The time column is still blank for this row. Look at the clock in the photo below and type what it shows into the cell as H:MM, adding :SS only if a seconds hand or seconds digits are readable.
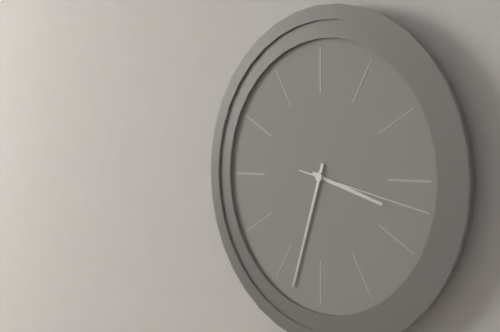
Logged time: 3:33:17
